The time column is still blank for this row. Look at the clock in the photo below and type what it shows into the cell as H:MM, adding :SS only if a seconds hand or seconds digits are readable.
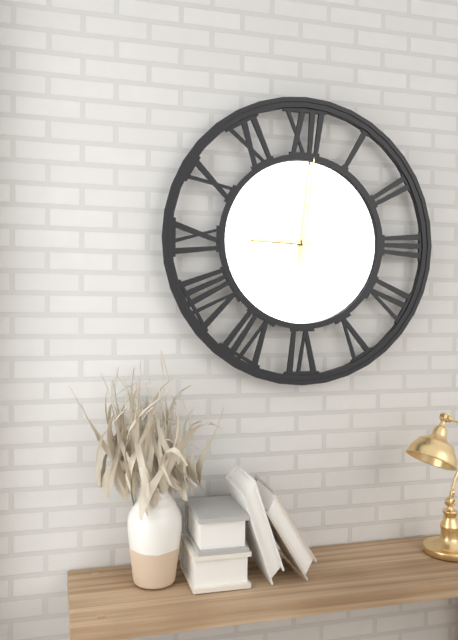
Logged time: 9:01
